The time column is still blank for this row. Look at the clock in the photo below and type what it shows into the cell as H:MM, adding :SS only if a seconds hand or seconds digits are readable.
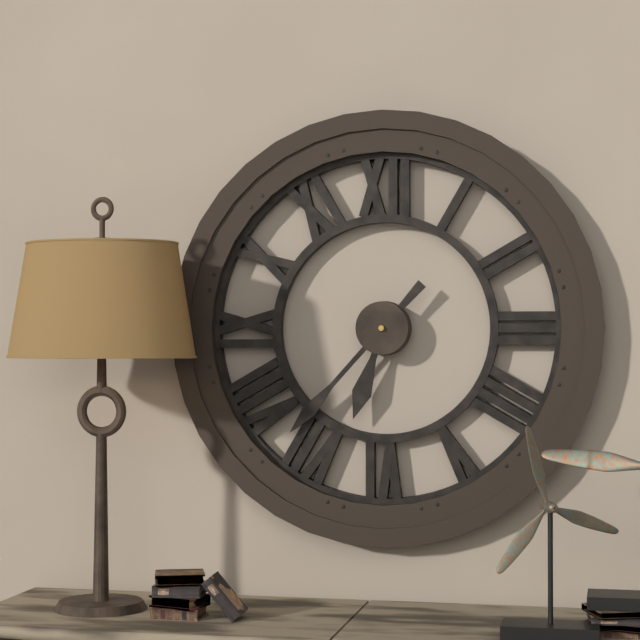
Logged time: 6:37
